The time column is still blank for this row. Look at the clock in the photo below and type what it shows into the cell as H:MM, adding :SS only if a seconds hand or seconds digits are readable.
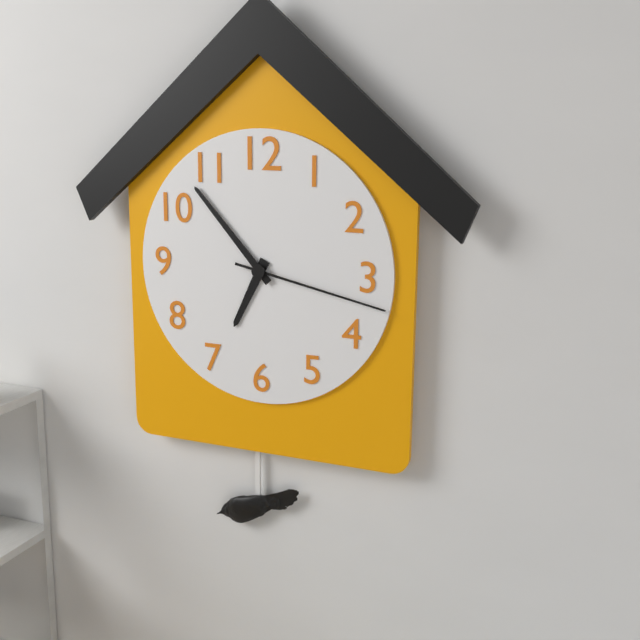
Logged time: 6:53:17
